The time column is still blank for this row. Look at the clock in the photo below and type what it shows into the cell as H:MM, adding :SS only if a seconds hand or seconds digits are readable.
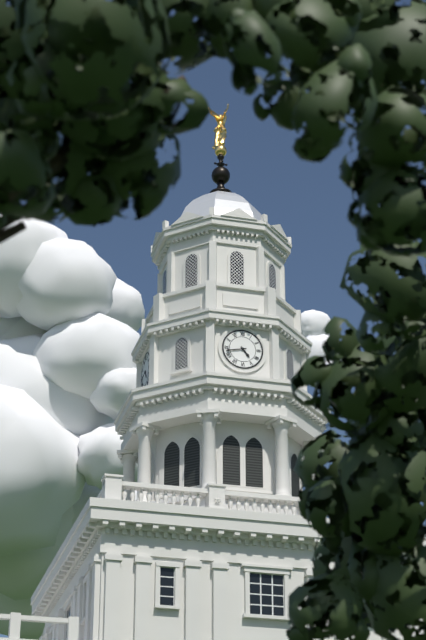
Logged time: 4:43
